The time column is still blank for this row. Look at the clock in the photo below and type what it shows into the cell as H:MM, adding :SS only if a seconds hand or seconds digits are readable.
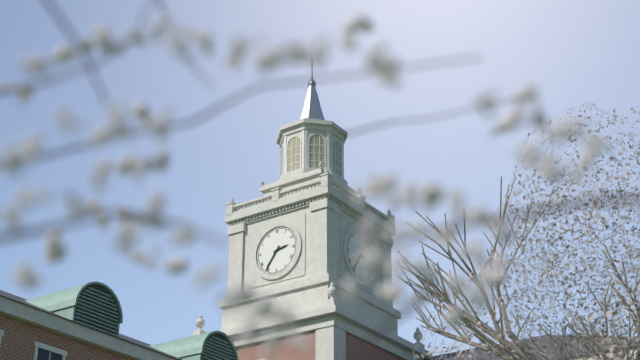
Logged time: 2:36
